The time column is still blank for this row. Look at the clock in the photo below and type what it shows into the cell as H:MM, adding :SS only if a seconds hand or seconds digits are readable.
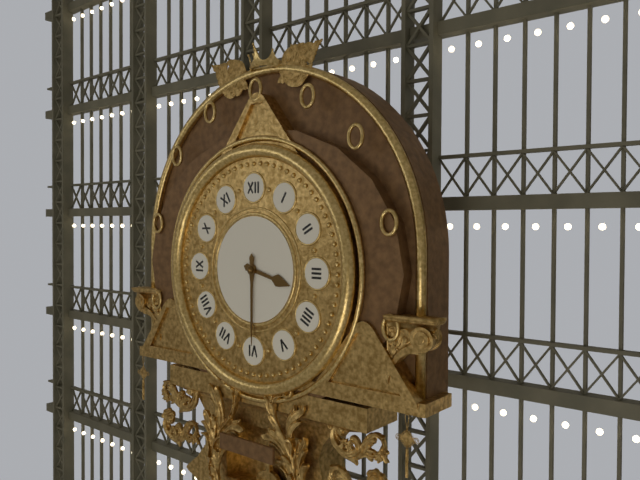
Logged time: 3:30
